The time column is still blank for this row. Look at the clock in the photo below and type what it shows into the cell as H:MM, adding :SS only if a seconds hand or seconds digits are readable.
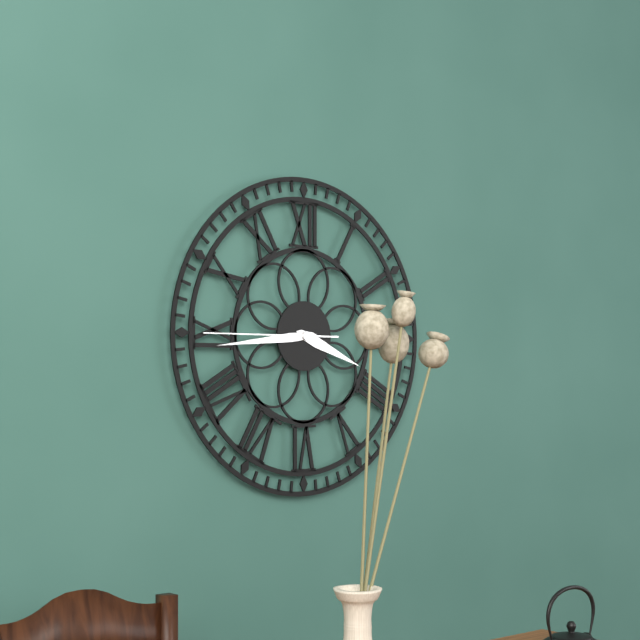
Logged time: 3:44:45
